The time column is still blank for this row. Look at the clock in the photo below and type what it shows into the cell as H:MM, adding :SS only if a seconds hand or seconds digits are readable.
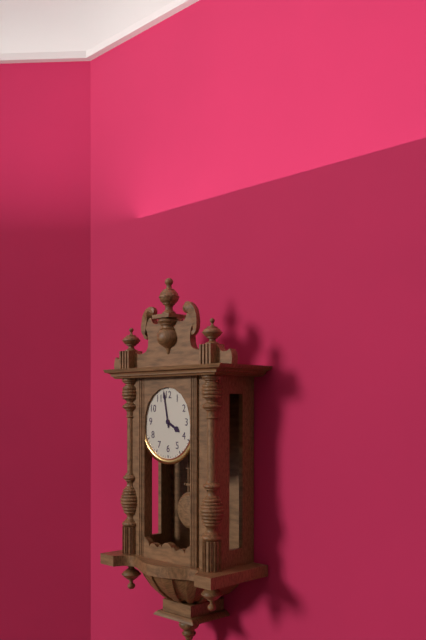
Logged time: 3:58
